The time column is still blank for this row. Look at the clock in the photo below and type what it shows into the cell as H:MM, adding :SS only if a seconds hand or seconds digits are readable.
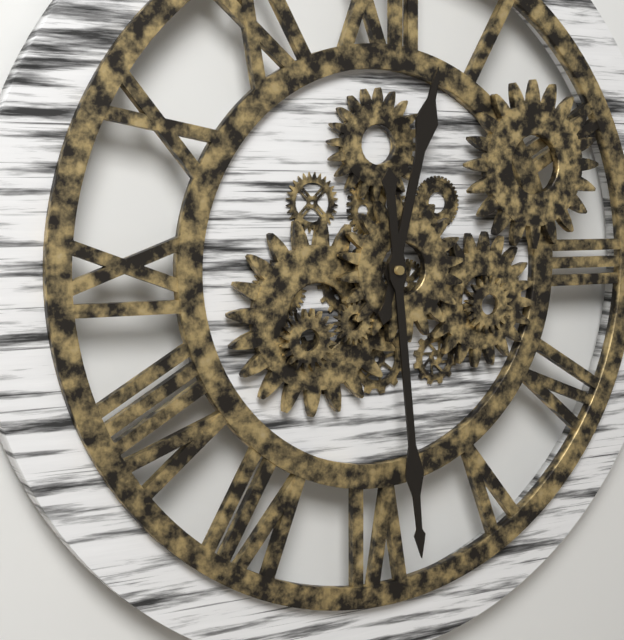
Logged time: 12:29
